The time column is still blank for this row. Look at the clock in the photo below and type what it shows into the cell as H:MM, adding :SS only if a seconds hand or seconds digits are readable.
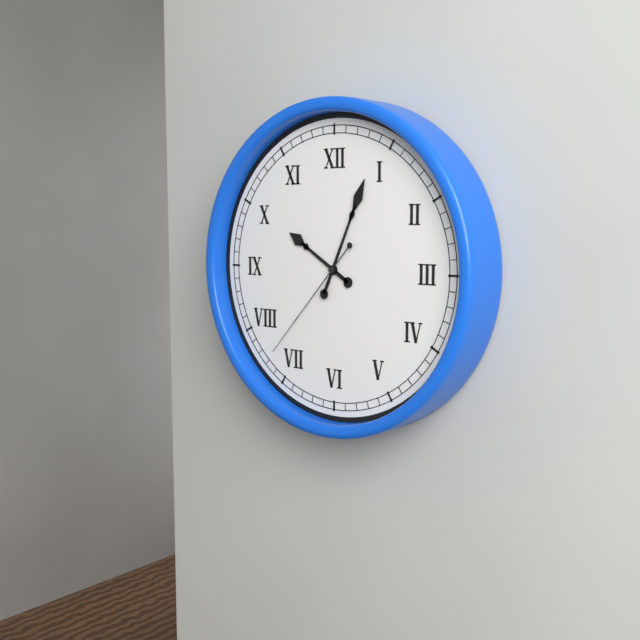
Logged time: 10:04:37
